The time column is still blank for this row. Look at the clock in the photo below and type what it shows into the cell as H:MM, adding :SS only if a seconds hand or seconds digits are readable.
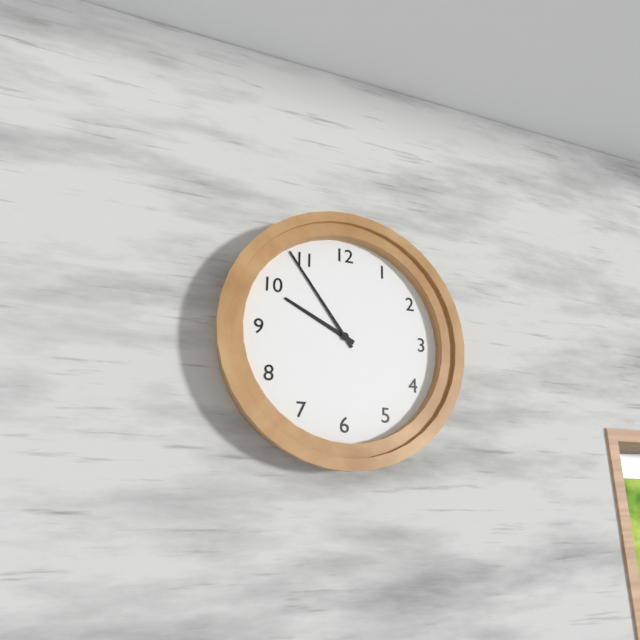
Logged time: 9:54
